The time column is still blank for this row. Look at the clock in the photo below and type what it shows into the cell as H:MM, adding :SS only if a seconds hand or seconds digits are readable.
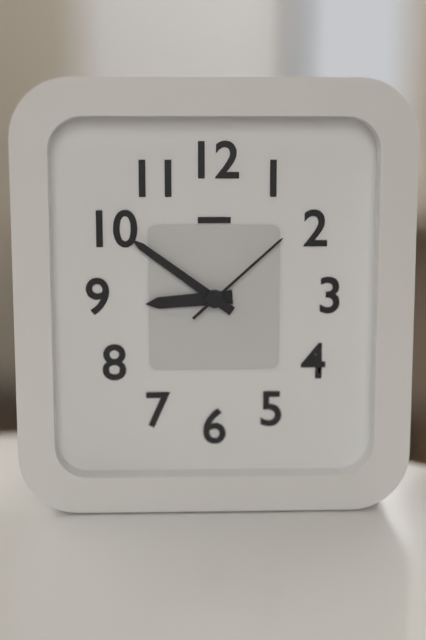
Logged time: 8:51:08
